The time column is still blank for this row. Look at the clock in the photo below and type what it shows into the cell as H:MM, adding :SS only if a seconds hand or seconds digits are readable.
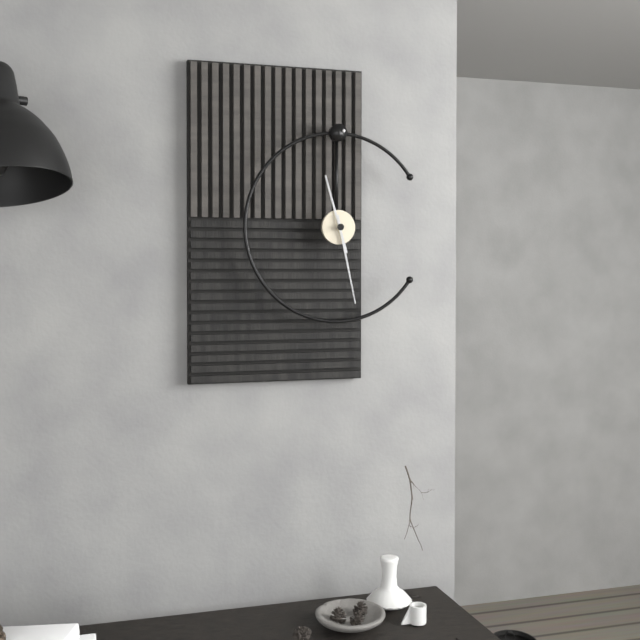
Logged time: 11:28
